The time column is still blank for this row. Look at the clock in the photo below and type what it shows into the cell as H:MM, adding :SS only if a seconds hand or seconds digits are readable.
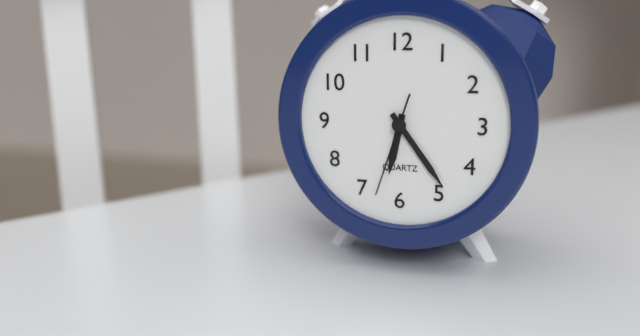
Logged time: 6:24:33
